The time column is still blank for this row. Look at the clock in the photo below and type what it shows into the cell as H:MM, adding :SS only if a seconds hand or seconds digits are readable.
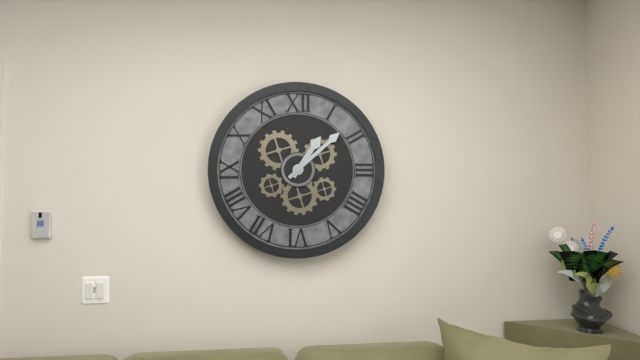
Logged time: 1:08
